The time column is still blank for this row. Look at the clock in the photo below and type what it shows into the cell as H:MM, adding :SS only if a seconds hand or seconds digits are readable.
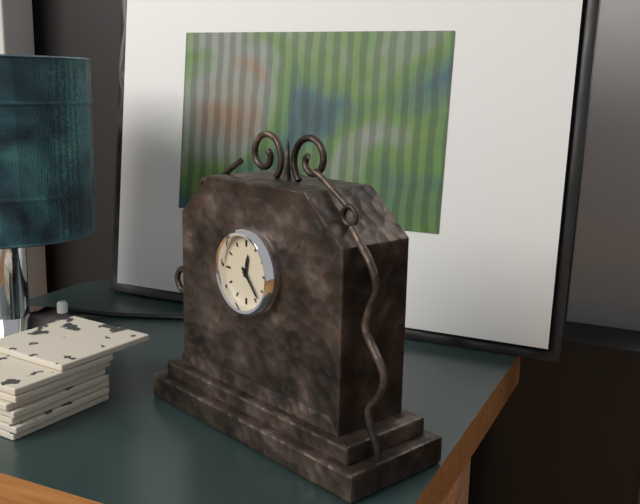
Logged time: 12:23
